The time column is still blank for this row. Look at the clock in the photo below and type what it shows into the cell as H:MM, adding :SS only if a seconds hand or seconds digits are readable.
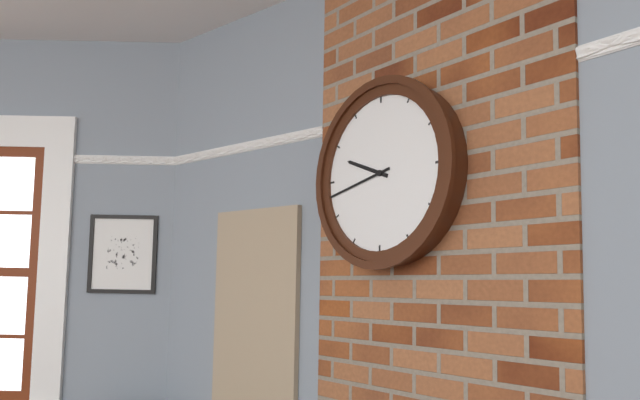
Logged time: 9:43
